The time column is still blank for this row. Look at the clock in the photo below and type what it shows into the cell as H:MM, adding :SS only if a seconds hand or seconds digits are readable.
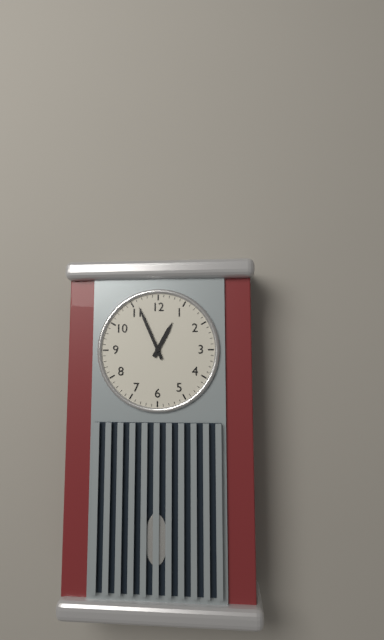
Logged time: 12:56
